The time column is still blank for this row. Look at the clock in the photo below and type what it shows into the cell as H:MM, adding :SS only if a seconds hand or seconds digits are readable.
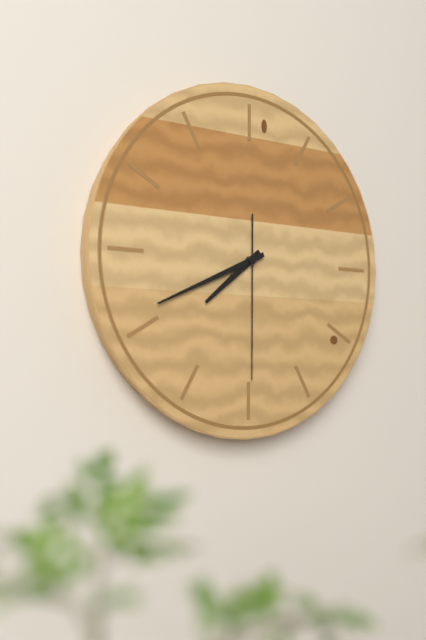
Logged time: 7:41:30
